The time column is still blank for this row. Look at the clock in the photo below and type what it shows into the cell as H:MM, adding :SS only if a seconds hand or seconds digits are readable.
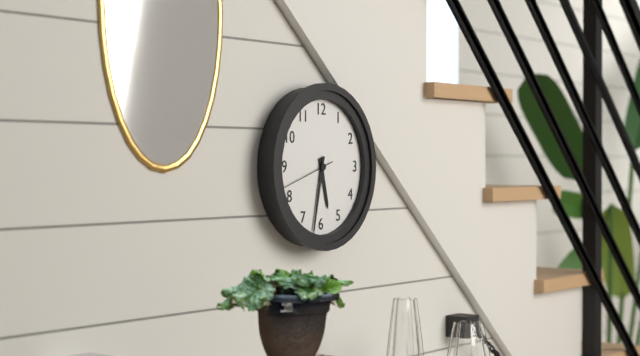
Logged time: 5:32:42
